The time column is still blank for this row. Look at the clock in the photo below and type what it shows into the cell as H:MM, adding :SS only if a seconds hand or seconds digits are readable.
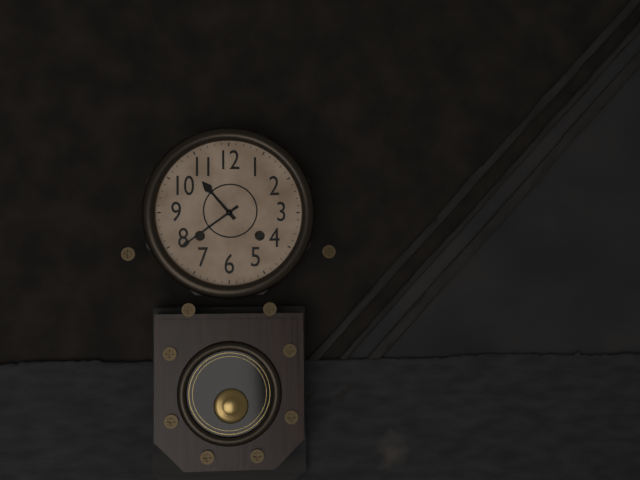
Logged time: 10:39
